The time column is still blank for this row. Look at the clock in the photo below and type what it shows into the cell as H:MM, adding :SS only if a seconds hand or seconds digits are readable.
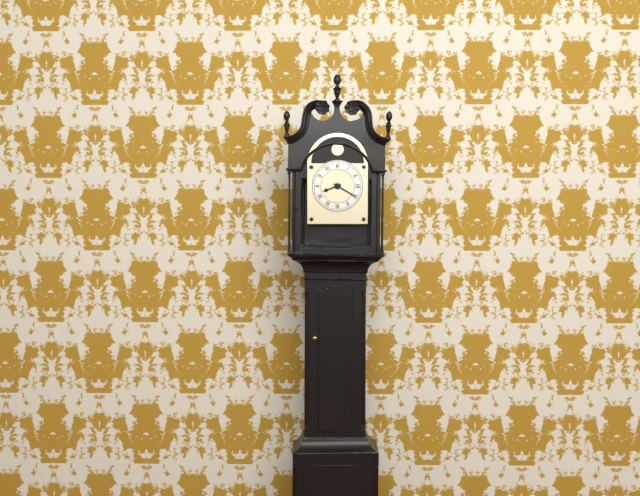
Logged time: 8:20
